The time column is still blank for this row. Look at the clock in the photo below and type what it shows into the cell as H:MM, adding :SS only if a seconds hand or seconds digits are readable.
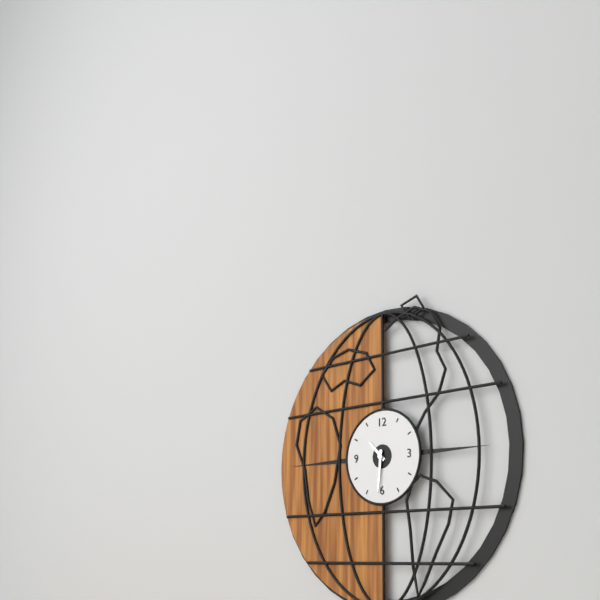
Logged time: 10:31
